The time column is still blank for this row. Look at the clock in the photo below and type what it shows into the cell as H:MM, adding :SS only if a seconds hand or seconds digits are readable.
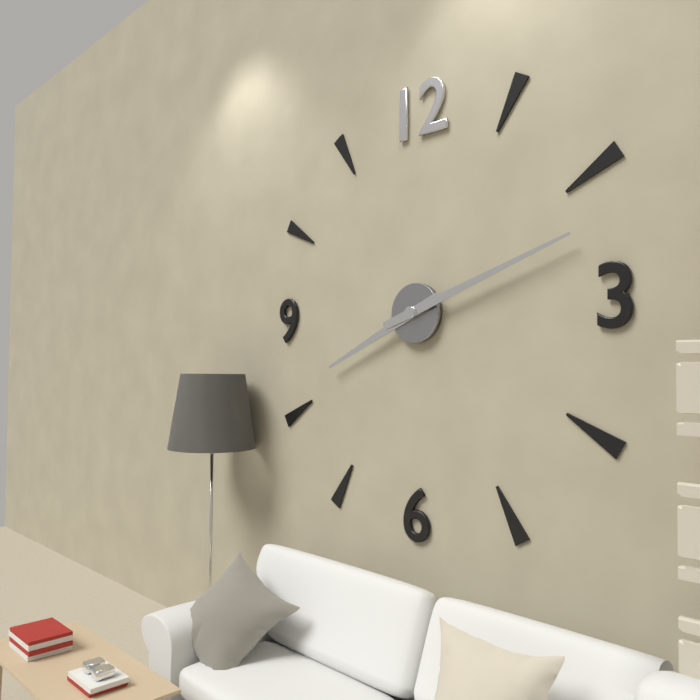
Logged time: 8:12
